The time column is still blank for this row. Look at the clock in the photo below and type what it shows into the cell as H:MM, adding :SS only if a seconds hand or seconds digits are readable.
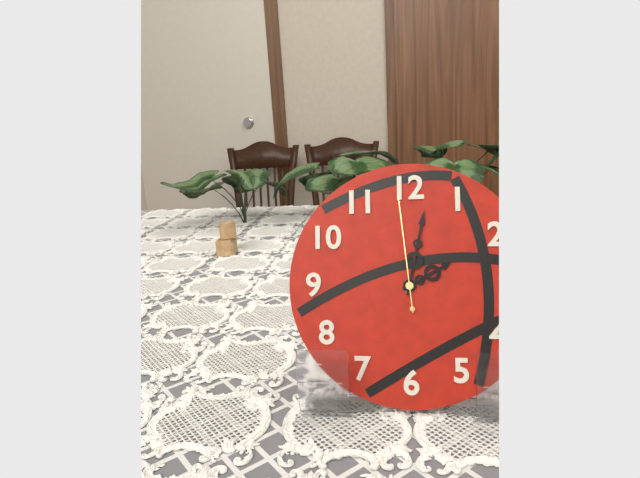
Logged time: 2:02:59
